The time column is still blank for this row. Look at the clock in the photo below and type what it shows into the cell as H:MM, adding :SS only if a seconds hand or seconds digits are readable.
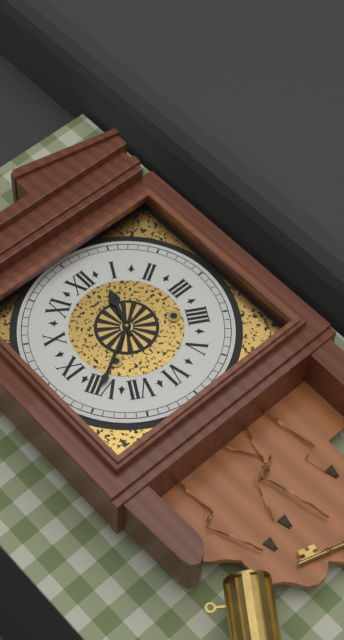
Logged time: 12:40
